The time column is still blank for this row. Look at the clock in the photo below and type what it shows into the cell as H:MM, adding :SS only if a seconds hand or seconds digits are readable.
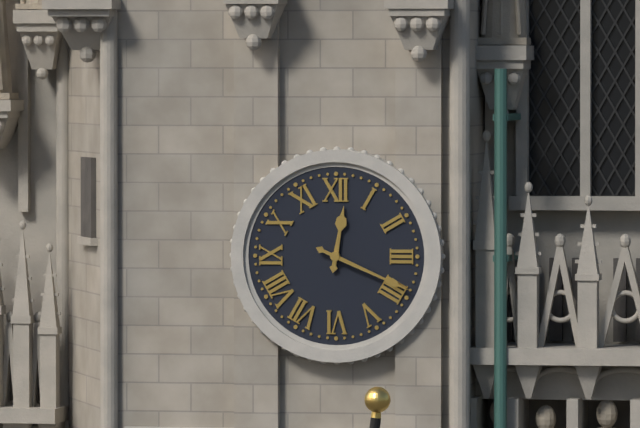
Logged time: 12:19
